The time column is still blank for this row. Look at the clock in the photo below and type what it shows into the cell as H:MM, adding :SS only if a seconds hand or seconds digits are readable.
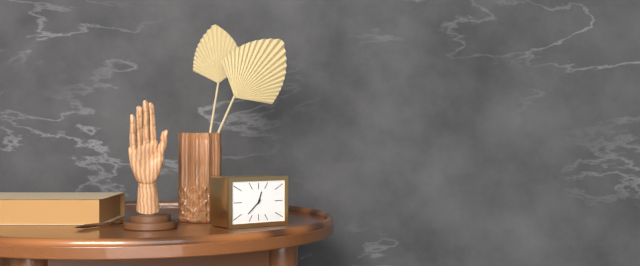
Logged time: 12:38
